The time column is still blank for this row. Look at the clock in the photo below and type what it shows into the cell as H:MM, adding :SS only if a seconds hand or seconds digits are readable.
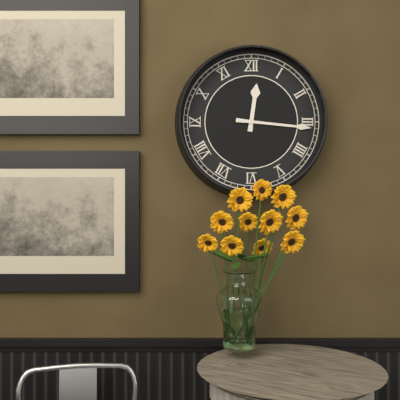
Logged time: 12:16
